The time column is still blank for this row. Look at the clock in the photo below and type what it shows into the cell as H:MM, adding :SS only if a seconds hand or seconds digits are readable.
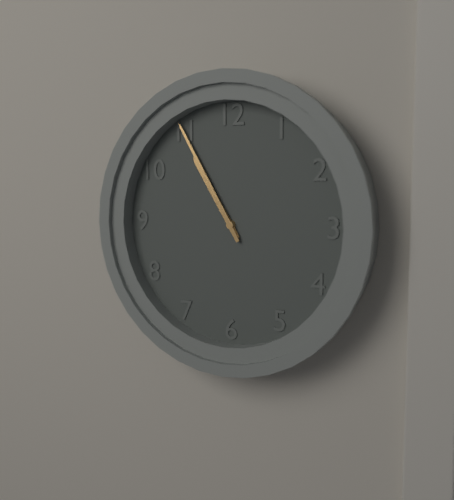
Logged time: 10:55
